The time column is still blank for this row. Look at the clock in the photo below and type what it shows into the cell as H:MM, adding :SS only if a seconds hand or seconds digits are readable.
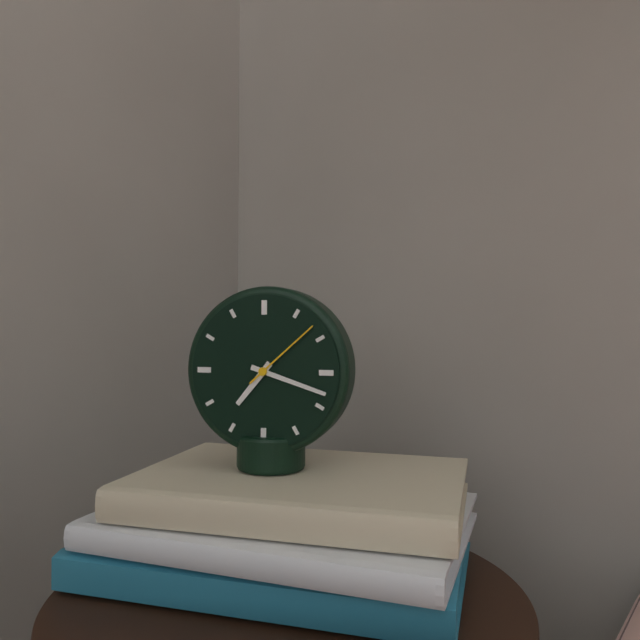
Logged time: 7:18:08
